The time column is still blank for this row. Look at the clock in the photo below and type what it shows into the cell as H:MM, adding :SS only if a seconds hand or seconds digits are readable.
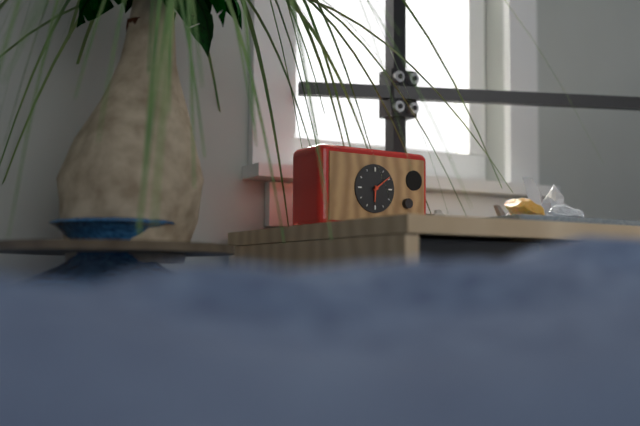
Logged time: 6:09
